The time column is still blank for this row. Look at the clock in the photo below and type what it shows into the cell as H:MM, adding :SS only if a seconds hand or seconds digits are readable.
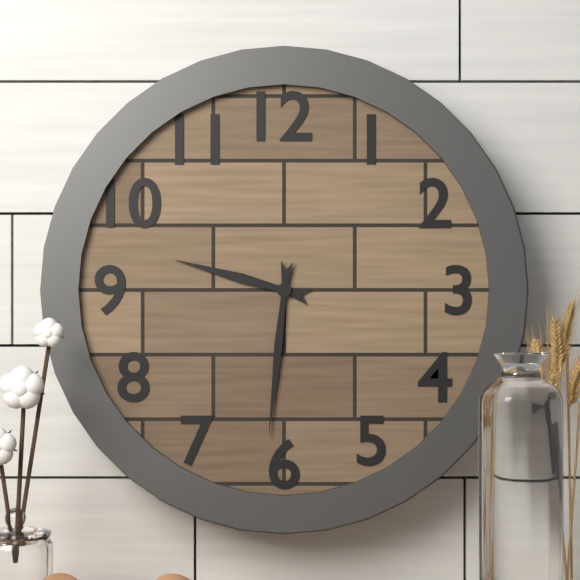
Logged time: 9:31
